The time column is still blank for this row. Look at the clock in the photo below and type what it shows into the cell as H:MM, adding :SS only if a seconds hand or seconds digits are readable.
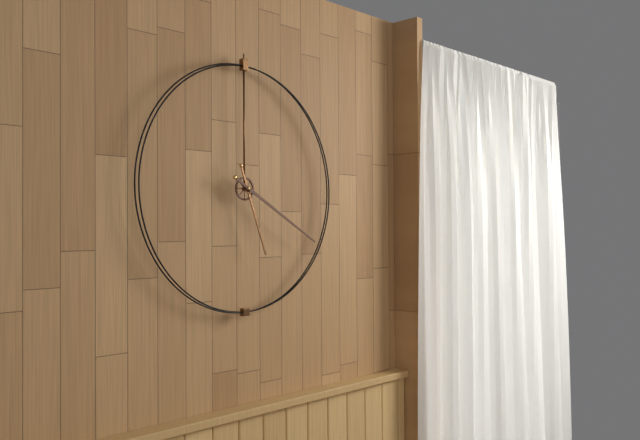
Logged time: 5:20
